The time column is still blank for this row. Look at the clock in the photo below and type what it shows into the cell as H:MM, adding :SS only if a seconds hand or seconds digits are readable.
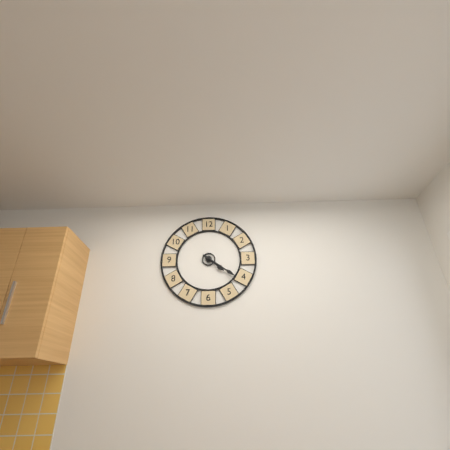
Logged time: 4:21
